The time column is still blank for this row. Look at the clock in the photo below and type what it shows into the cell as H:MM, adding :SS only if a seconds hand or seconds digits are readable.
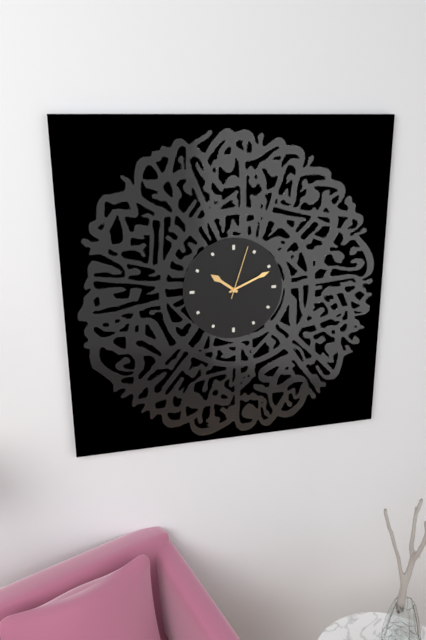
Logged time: 10:11:03
